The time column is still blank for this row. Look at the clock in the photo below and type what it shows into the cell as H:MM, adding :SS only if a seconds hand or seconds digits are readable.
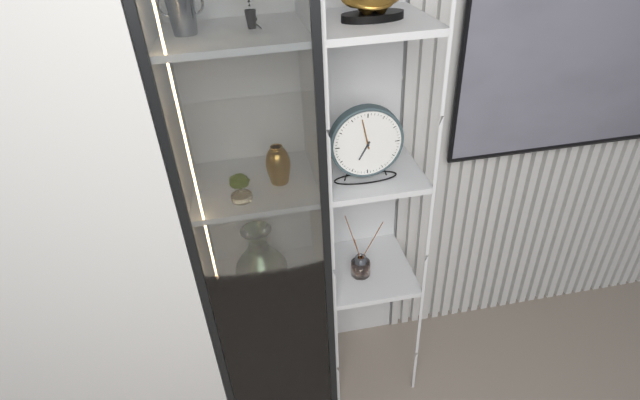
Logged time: 6:58
